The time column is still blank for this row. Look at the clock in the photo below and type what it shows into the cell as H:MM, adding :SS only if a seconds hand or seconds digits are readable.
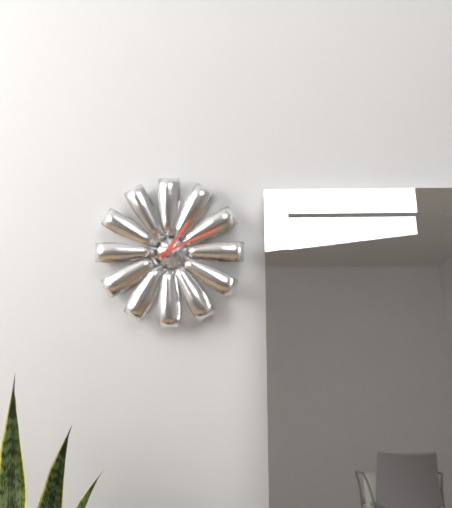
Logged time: 1:11
